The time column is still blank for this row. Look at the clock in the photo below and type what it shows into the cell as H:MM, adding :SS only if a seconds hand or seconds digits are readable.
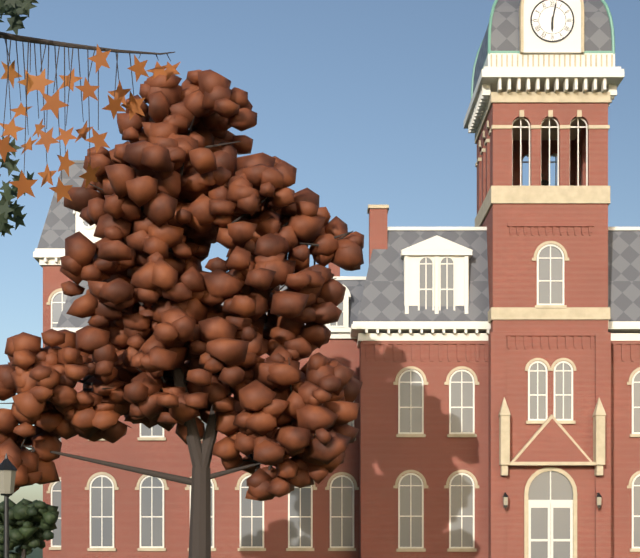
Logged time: 6:02
